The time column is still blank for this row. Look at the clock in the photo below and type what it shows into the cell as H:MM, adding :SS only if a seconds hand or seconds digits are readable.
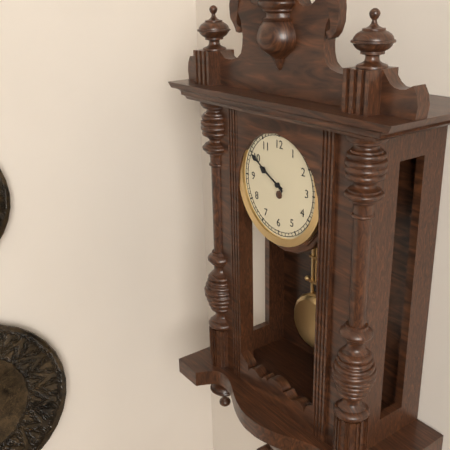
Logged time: 9:50
